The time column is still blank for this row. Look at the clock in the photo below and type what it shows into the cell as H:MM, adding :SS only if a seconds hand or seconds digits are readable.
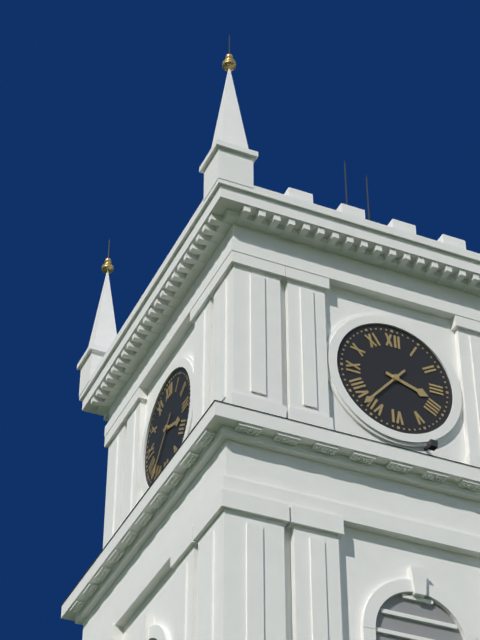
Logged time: 3:37
